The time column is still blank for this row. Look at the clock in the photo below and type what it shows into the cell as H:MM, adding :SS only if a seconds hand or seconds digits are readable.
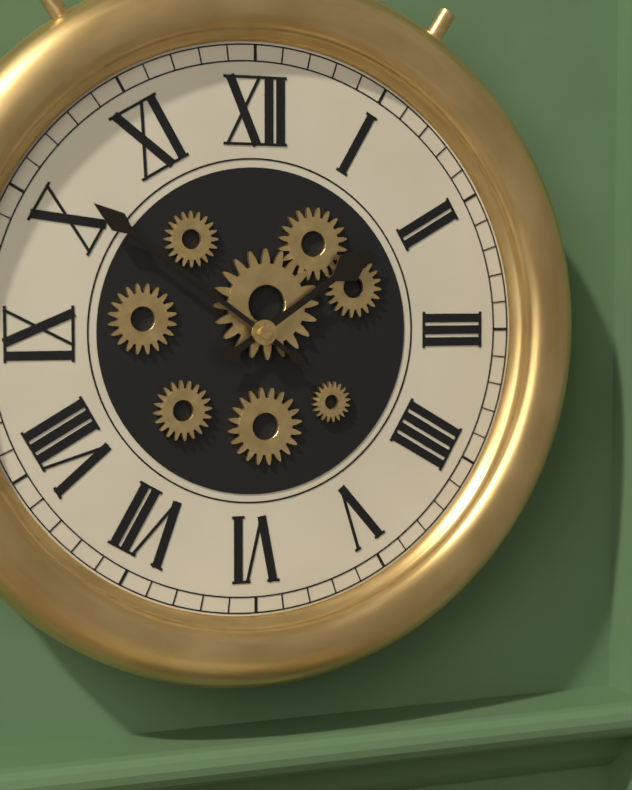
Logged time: 1:51
